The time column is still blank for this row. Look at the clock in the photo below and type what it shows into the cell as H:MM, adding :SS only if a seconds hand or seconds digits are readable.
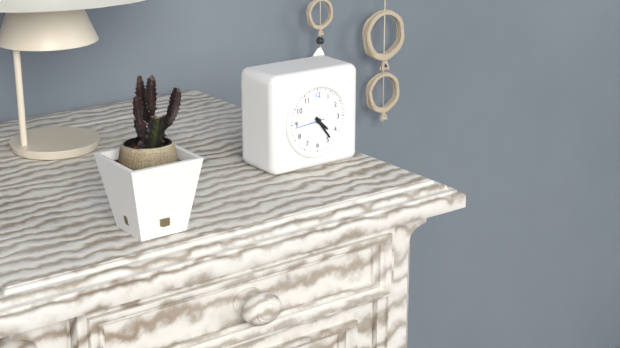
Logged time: 4:24
